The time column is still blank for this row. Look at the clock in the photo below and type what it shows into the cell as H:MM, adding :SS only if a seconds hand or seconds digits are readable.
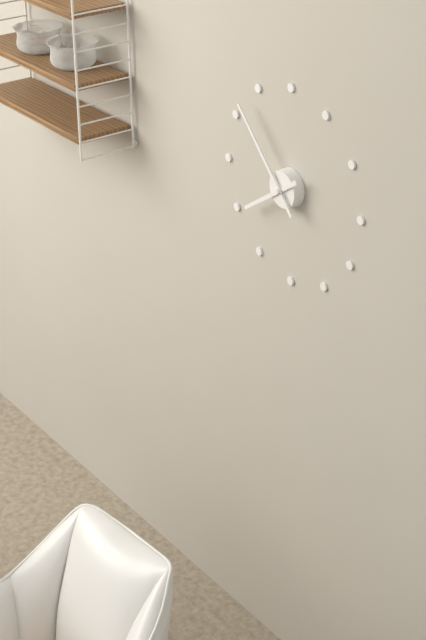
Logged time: 7:53
